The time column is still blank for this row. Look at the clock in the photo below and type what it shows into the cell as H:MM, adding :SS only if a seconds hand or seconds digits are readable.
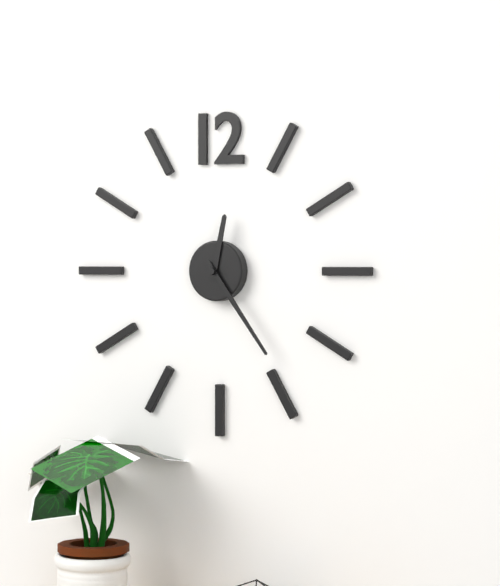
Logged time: 12:24
